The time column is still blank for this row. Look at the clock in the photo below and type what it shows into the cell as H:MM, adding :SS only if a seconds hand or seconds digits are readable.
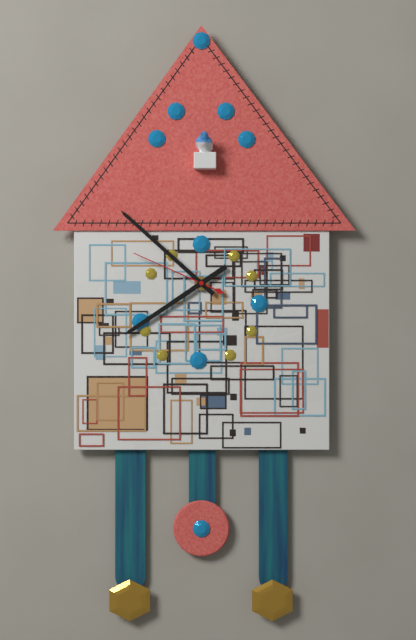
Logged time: 7:52:49
